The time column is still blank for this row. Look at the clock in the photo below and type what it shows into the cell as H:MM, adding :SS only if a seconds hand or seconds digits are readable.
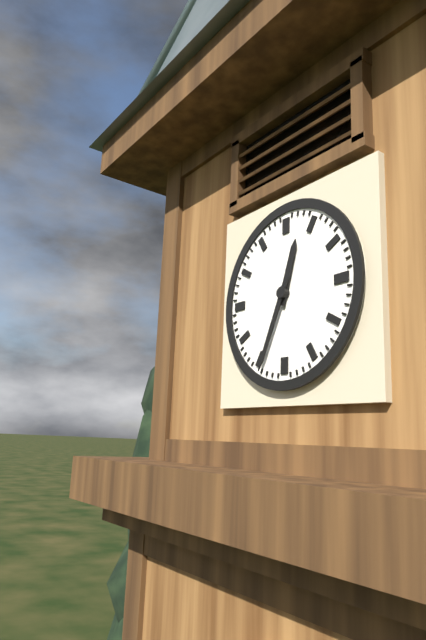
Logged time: 12:34
